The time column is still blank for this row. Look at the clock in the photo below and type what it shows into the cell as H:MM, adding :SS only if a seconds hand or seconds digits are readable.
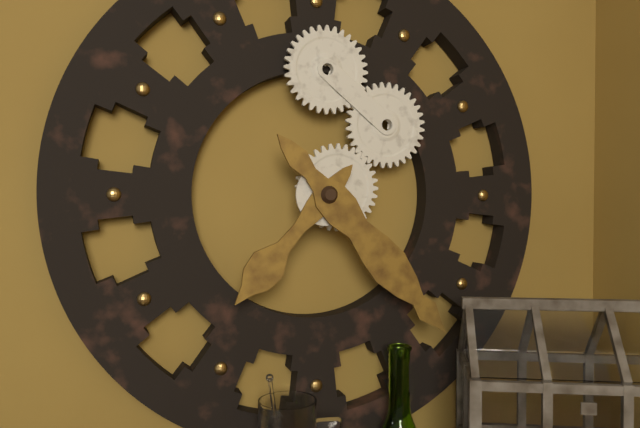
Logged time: 7:23
